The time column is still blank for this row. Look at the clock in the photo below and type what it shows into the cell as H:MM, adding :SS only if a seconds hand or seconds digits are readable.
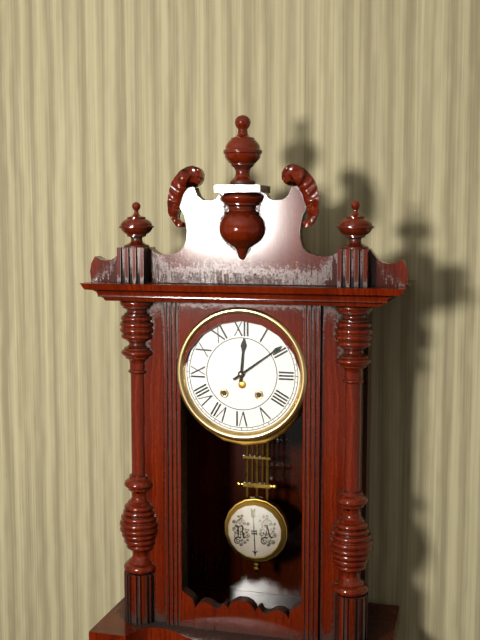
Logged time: 12:09
